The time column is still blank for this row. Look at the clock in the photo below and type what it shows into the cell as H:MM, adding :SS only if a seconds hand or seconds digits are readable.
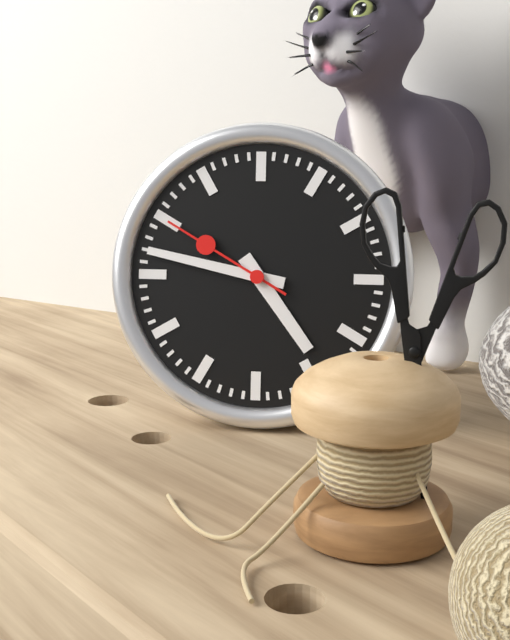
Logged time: 4:47:50
